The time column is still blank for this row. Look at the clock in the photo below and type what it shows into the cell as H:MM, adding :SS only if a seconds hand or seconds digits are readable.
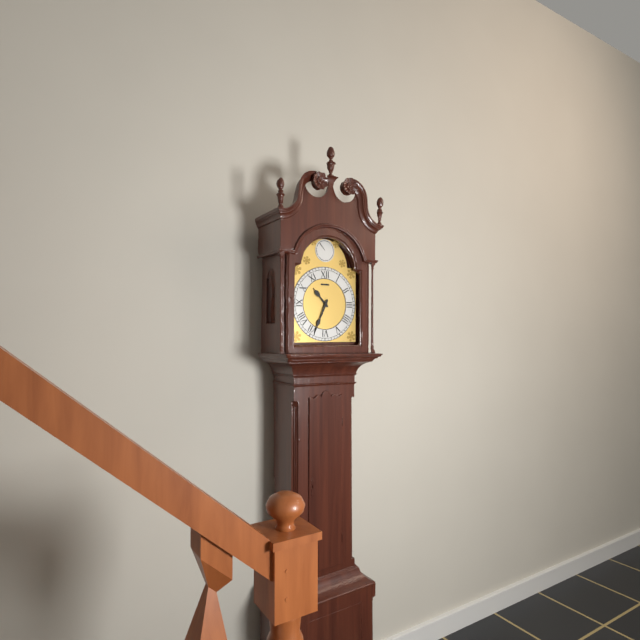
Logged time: 10:34
